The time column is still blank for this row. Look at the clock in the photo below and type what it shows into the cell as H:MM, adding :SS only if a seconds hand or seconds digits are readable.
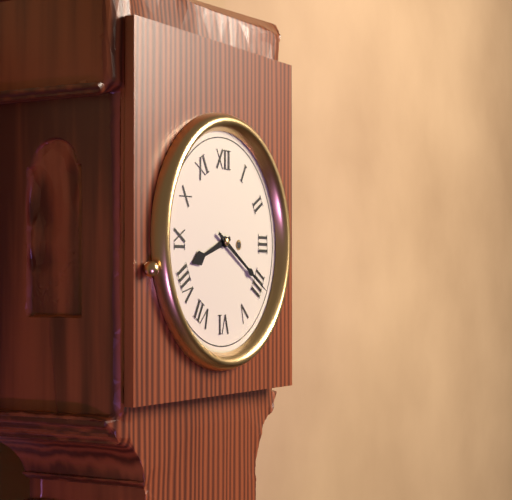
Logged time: 8:20
